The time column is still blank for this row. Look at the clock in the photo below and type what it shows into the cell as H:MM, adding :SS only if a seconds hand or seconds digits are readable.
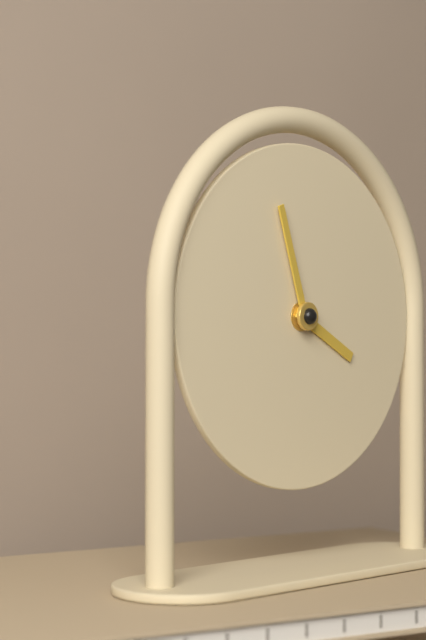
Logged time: 3:57
